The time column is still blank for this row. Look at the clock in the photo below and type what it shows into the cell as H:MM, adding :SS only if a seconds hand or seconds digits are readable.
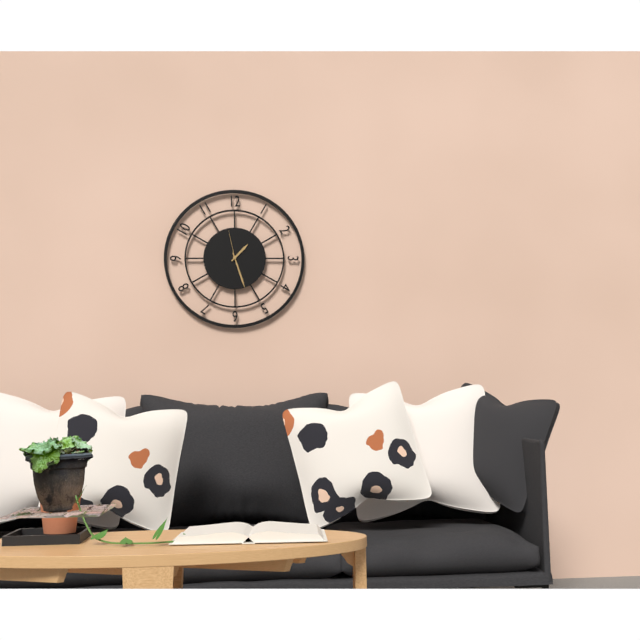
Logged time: 1:27
